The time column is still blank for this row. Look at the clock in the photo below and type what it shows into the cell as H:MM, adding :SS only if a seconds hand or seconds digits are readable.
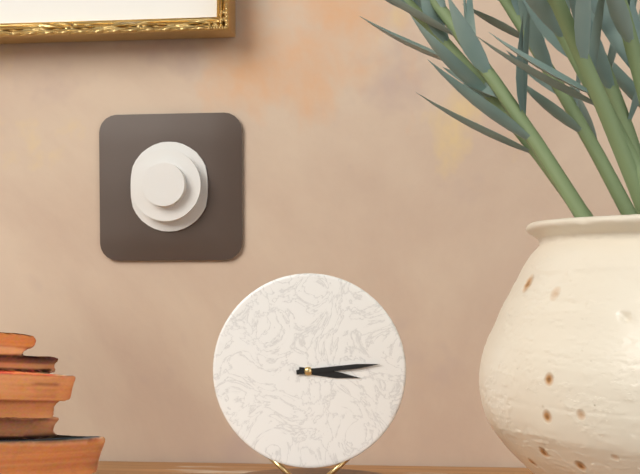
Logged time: 3:14
